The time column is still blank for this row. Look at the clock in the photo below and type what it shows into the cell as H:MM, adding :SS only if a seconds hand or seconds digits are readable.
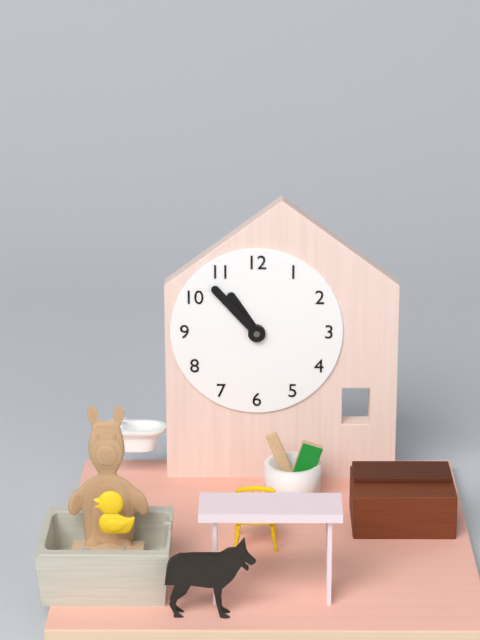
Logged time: 10:53
